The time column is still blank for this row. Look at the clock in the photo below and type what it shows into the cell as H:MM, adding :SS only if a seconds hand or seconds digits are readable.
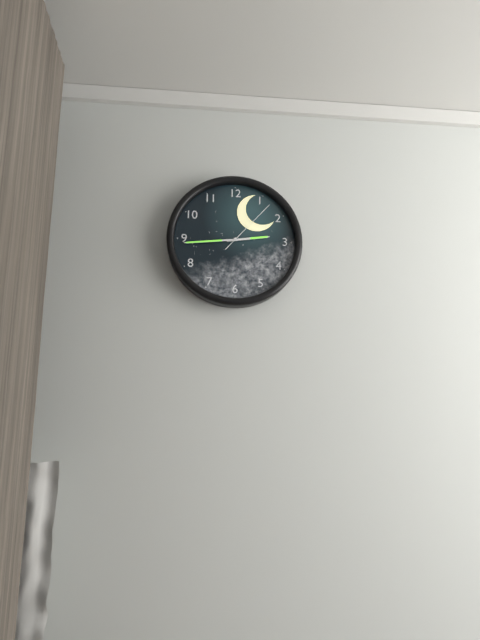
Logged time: 2:44:07
